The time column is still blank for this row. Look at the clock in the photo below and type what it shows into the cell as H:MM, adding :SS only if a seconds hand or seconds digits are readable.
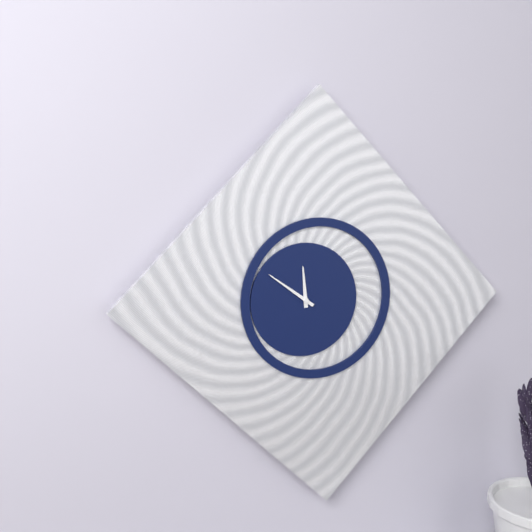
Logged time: 11:51
